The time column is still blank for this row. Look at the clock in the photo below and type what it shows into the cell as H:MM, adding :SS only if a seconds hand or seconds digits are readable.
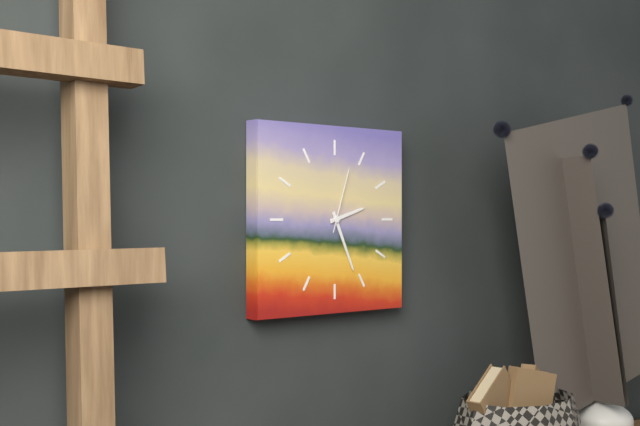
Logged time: 2:26:03
